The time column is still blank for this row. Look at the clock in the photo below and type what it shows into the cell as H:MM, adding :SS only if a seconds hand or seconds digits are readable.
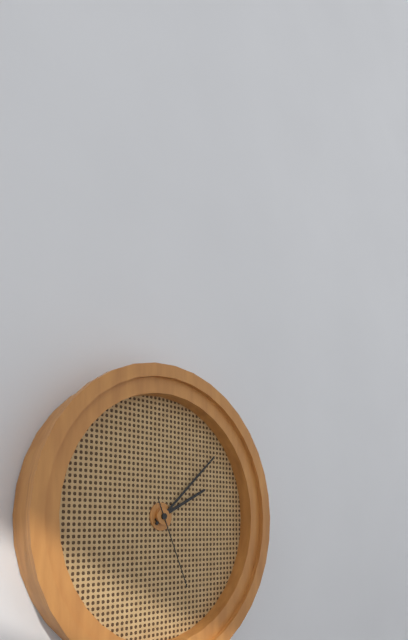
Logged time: 2:08:26
